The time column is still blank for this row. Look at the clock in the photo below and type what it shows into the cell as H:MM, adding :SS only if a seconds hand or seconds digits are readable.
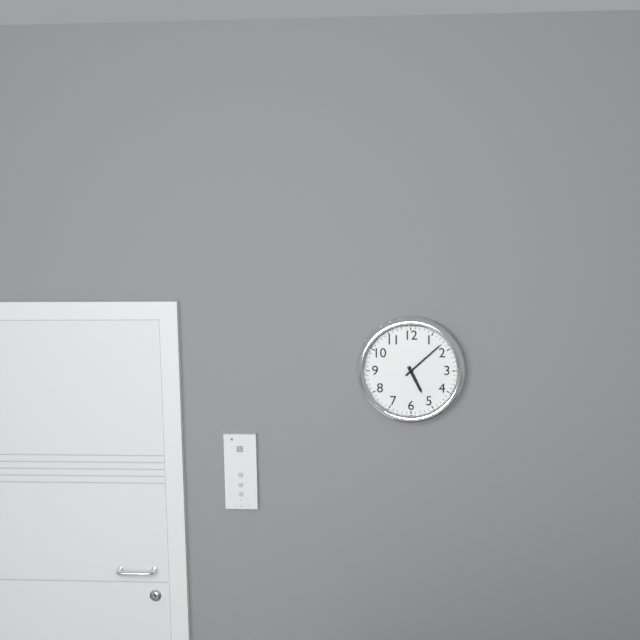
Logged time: 5:08
